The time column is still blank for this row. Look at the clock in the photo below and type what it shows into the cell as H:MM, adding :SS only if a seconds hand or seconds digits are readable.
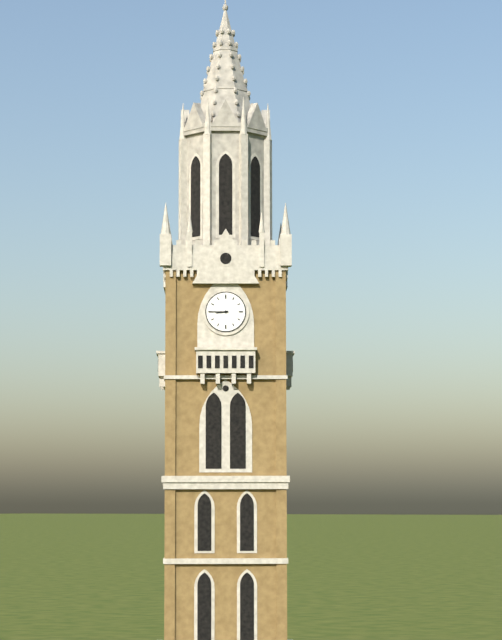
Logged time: 8:45
